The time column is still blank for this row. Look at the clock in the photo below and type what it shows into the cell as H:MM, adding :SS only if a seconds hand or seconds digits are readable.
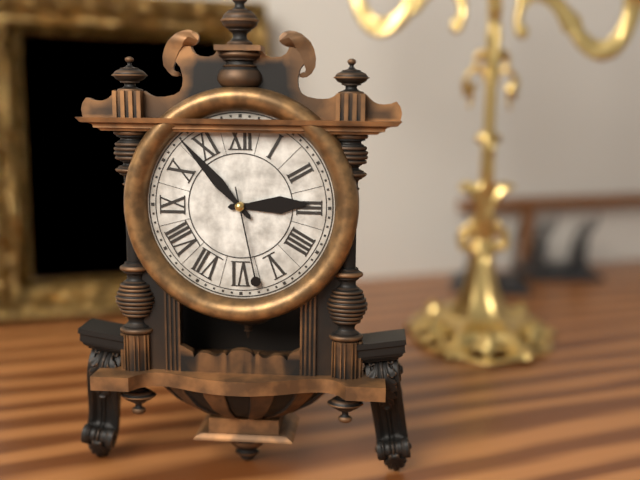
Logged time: 2:53:28
